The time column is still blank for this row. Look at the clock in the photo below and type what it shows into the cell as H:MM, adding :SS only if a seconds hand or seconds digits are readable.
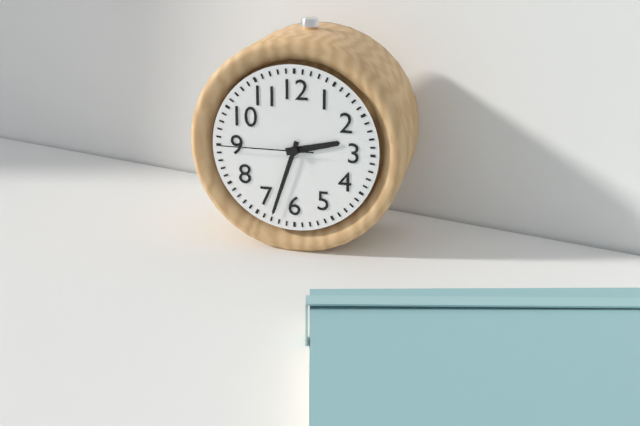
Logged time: 2:33:45
